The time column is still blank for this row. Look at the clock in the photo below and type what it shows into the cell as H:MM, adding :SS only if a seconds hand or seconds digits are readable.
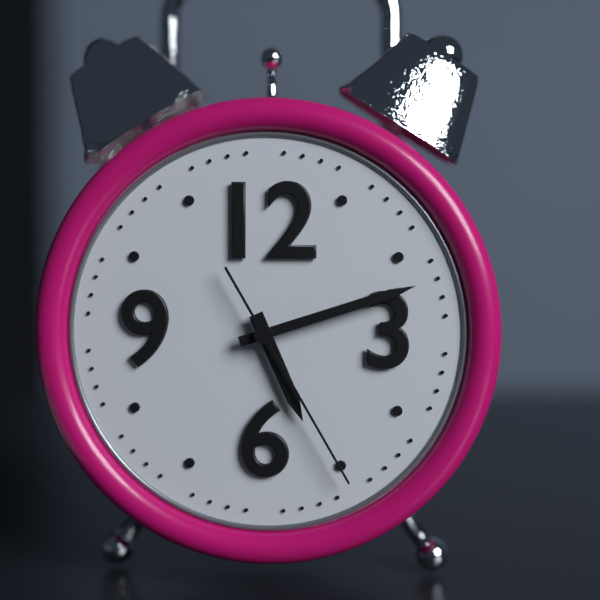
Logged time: 5:12:25
